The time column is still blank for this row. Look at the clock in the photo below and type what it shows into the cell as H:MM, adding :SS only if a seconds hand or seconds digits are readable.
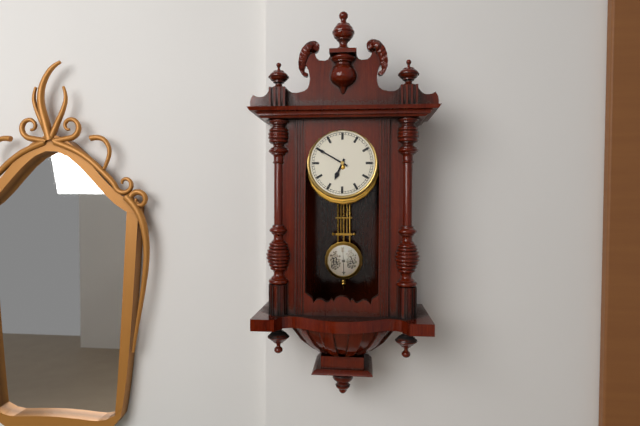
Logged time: 6:50
